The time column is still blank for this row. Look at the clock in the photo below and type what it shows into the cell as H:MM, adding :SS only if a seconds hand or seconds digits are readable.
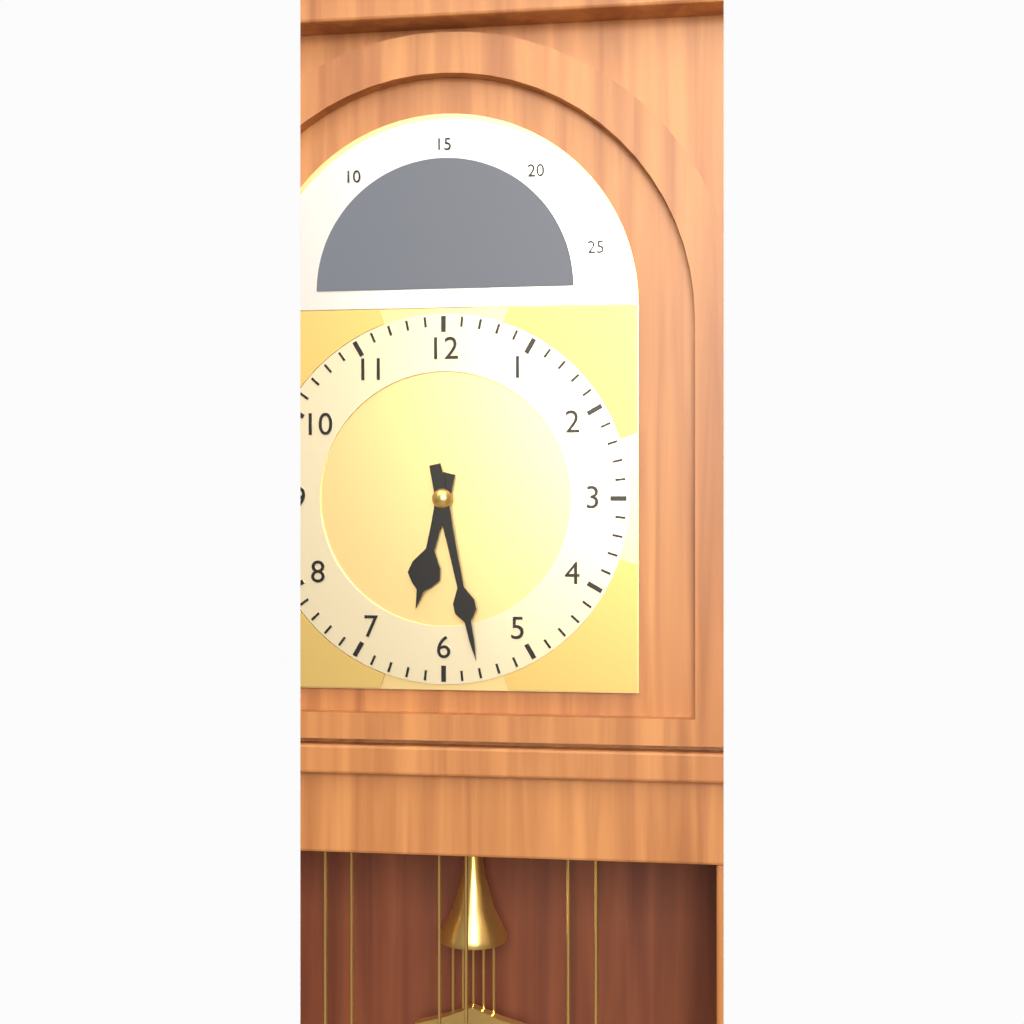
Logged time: 6:28
